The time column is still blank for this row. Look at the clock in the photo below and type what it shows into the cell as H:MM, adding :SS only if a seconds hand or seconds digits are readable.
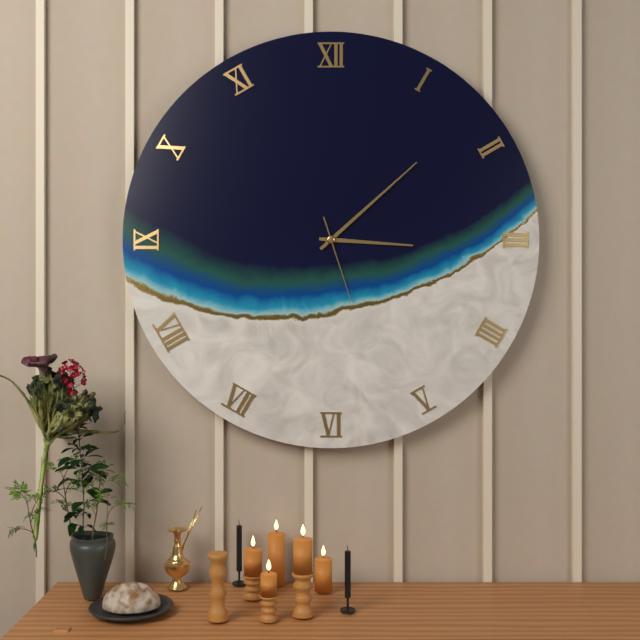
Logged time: 3:08:27
